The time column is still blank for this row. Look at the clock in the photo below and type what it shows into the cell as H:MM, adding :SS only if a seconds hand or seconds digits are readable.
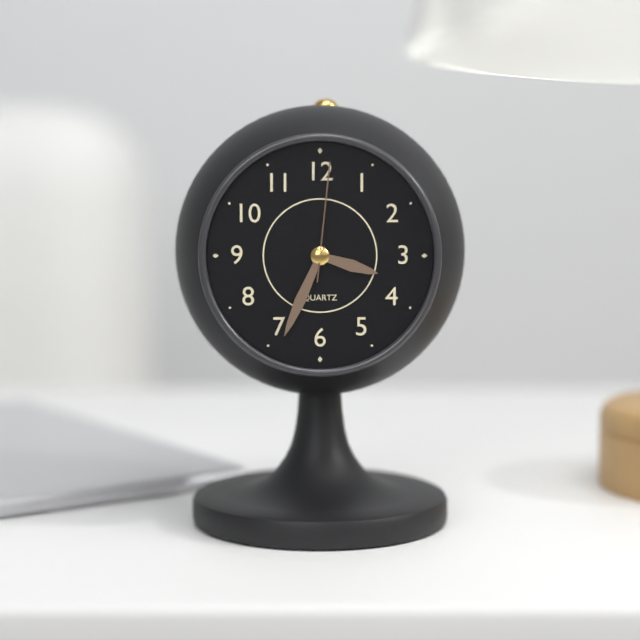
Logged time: 3:34:01
